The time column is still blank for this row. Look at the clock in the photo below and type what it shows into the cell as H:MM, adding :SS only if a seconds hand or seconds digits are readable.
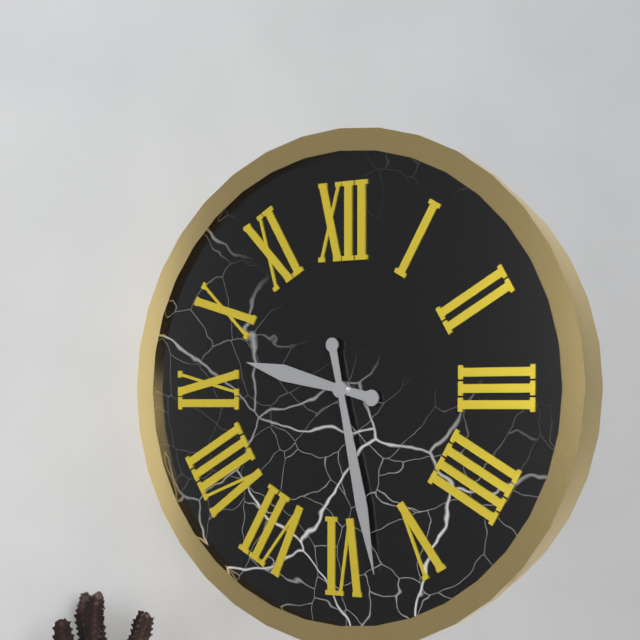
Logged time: 9:28
